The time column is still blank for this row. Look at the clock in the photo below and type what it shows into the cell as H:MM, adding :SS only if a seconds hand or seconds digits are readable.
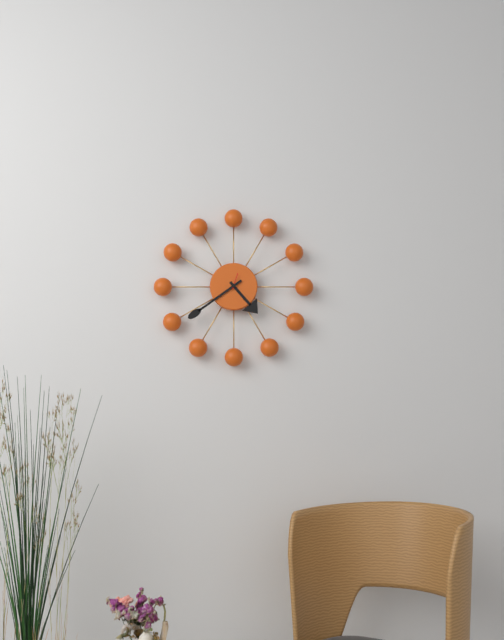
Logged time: 4:39
